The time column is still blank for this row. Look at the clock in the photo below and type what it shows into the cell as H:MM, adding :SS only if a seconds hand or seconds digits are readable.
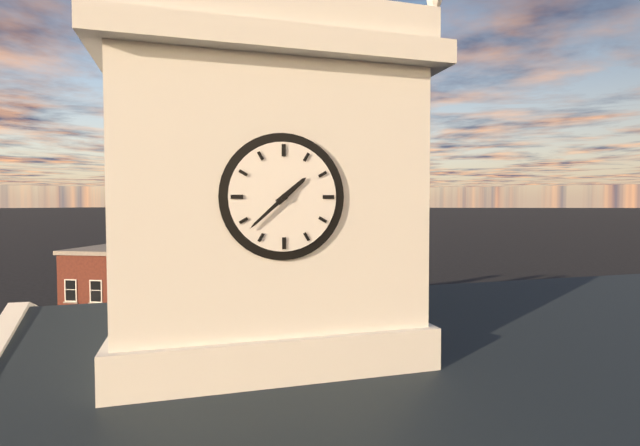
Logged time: 1:38
